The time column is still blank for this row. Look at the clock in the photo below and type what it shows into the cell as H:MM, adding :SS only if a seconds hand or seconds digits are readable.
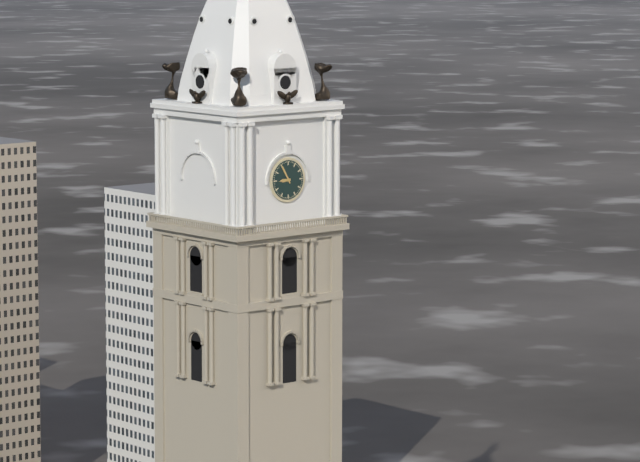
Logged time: 8:55
